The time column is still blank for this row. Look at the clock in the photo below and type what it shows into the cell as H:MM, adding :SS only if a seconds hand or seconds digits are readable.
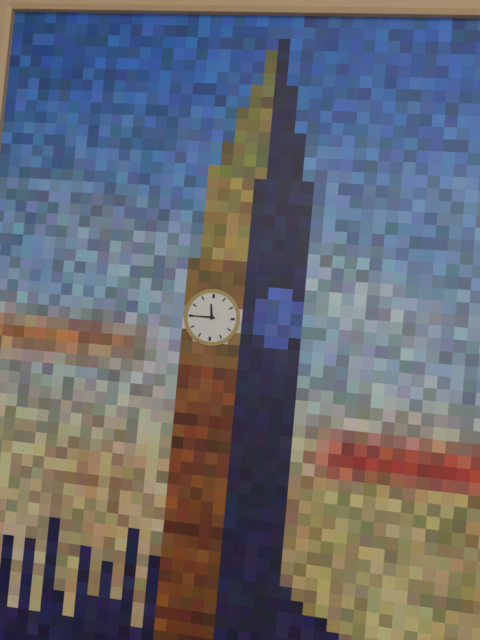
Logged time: 11:45
